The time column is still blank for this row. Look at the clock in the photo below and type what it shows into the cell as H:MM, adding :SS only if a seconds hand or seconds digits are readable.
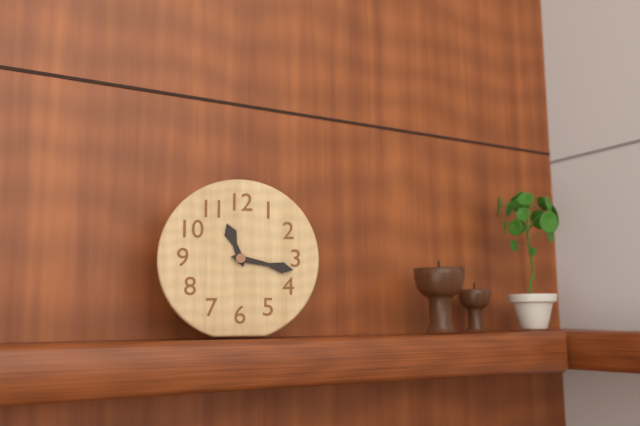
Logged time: 11:17
